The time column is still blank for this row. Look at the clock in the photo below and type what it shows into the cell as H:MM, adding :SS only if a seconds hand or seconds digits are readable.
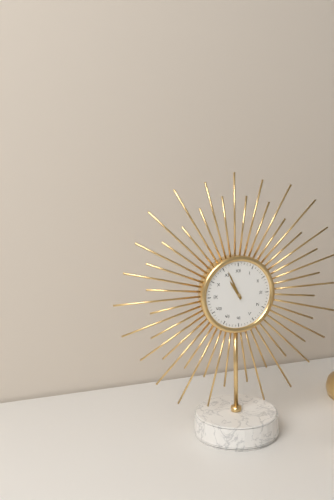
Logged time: 10:56
